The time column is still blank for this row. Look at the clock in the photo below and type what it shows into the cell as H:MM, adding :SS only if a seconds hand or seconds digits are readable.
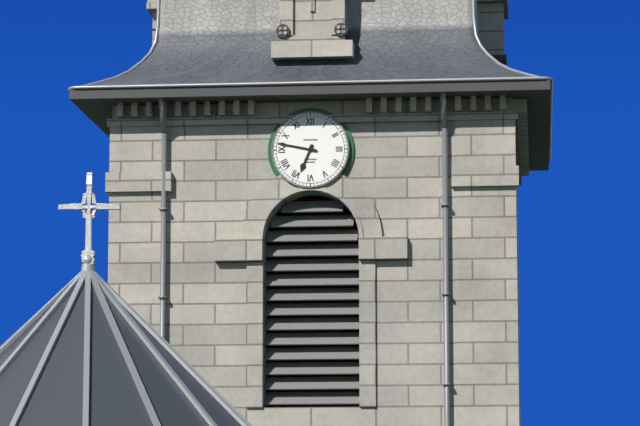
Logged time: 6:47
